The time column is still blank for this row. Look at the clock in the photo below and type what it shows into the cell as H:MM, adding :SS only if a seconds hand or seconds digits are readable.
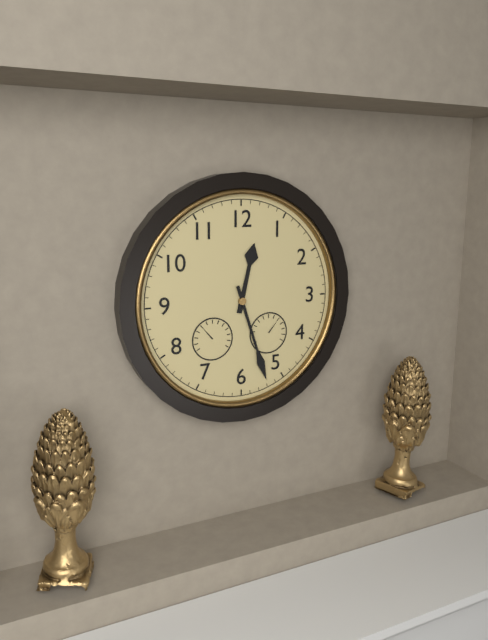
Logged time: 12:27
